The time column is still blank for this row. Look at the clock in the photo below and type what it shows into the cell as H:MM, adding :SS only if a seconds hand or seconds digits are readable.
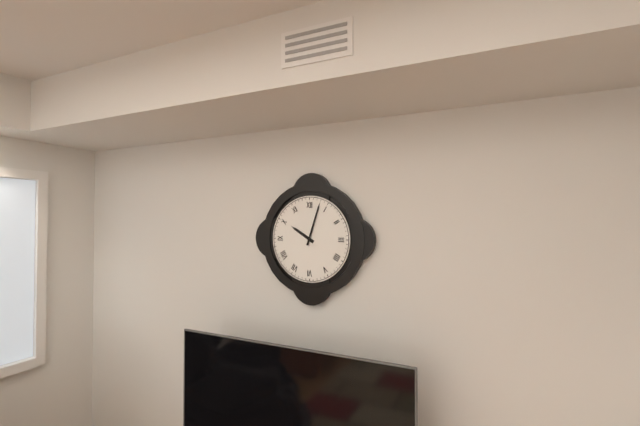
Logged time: 10:03
